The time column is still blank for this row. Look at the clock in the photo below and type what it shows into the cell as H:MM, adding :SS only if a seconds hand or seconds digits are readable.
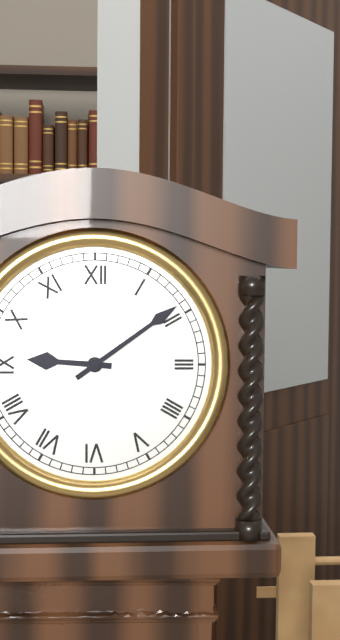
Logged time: 9:09
